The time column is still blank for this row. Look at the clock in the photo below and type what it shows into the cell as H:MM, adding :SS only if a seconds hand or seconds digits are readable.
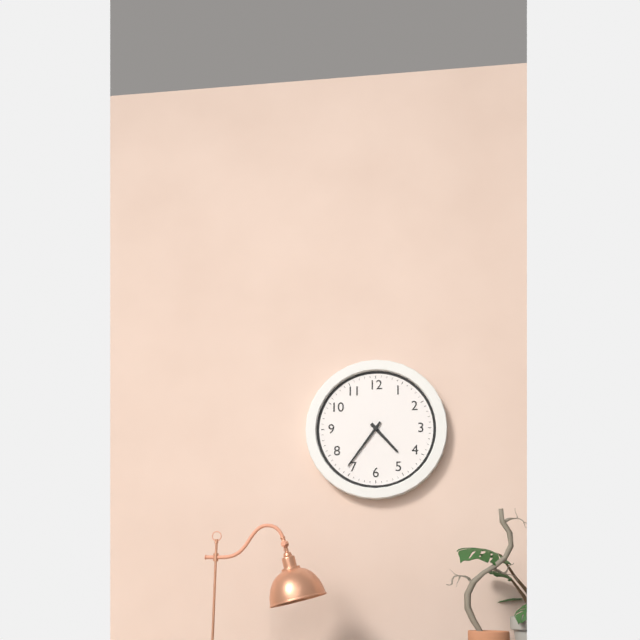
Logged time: 4:36
